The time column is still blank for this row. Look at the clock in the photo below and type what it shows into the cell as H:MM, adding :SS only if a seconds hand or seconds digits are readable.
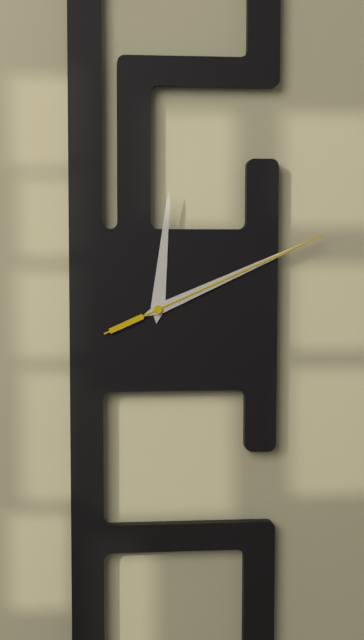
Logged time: 12:11:11
